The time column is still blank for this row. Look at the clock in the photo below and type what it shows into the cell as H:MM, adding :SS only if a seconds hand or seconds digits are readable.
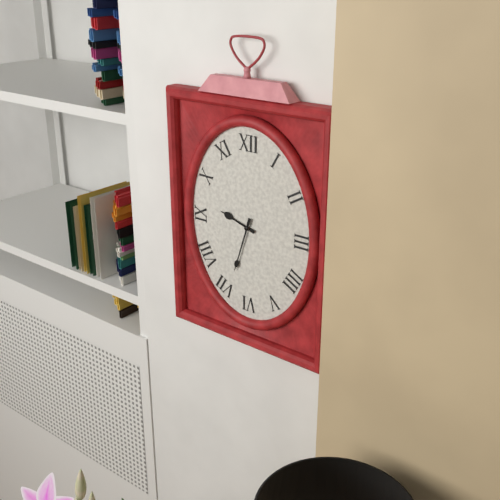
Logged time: 9:33
